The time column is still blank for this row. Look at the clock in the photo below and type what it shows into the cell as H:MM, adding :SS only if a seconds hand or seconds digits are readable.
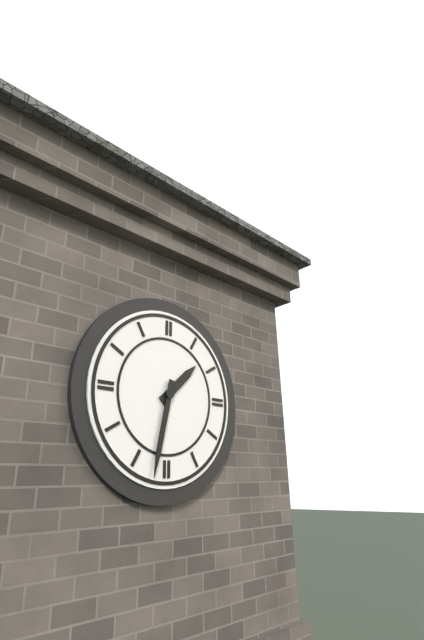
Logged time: 1:32
